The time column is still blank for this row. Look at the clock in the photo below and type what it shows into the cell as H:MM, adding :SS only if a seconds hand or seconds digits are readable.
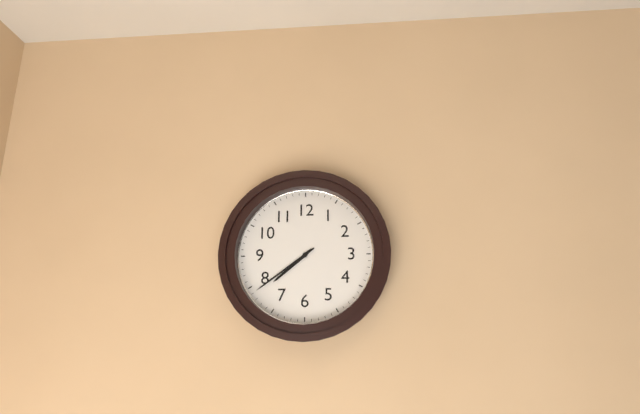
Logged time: 7:39
